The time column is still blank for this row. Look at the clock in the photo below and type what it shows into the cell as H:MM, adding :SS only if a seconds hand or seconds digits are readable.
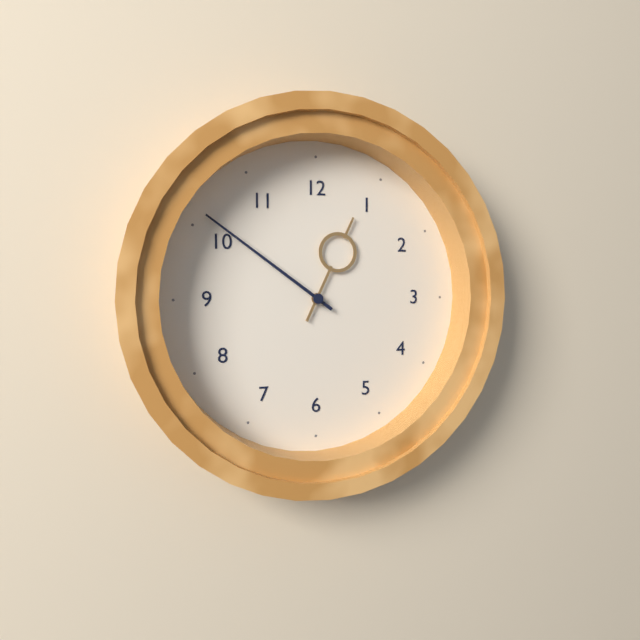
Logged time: 12:51
